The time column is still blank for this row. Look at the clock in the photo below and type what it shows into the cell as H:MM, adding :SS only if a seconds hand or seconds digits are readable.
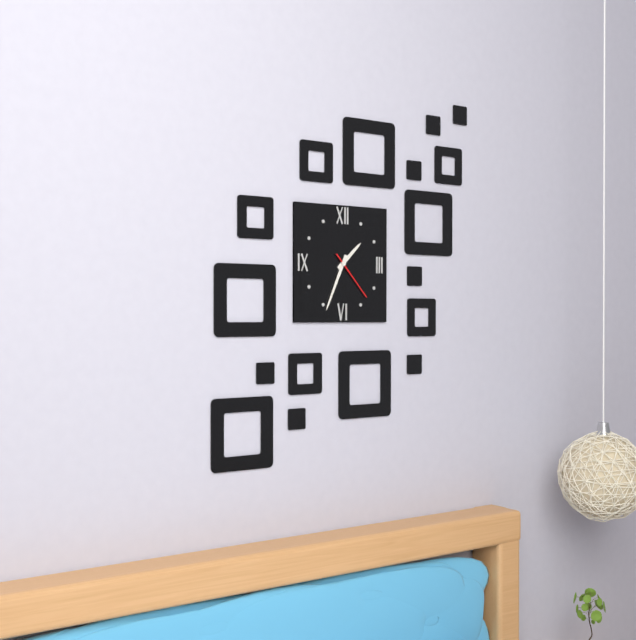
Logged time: 1:34:23
